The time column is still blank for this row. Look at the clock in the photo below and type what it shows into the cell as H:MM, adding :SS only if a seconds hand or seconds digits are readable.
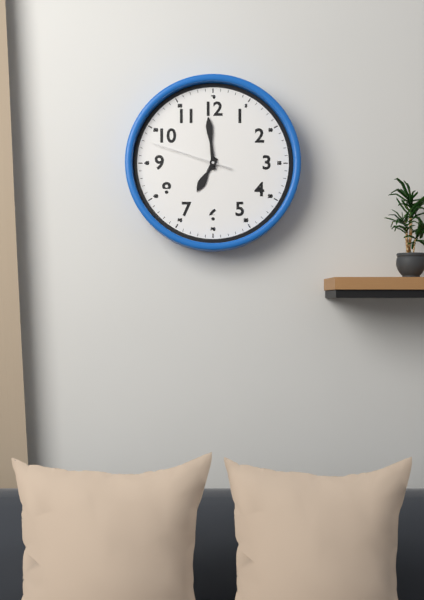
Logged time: 6:59:48
